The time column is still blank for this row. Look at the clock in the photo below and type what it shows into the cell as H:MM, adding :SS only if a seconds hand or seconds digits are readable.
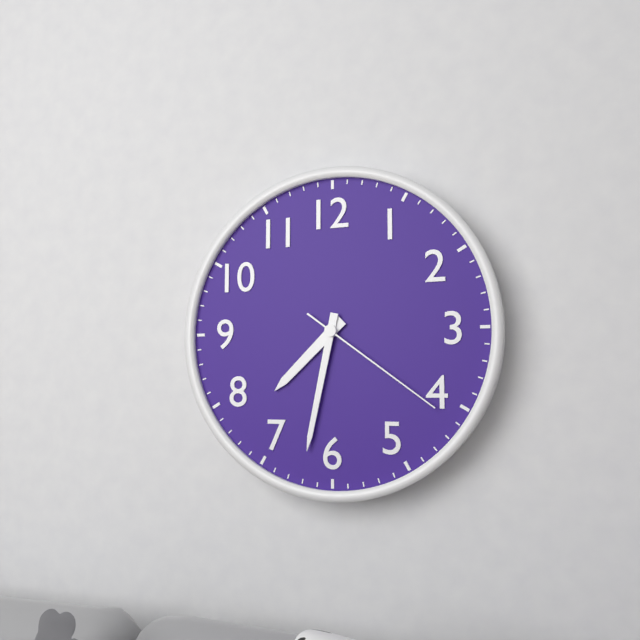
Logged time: 7:32:21
